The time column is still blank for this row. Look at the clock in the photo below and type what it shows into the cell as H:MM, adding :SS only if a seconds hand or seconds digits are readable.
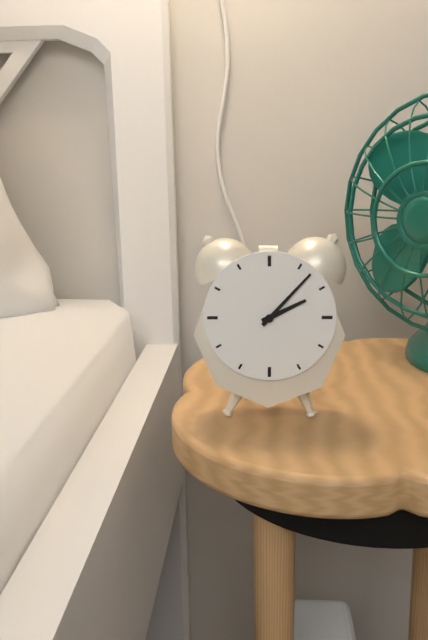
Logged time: 2:07
